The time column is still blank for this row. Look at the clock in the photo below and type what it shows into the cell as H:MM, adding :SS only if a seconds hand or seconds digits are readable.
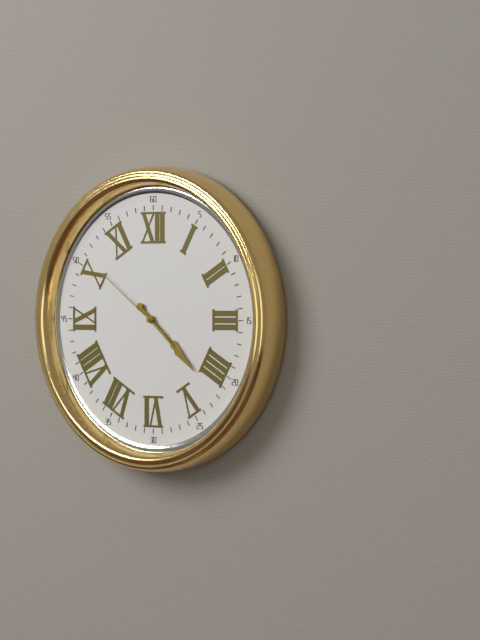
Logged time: 4:22:51
